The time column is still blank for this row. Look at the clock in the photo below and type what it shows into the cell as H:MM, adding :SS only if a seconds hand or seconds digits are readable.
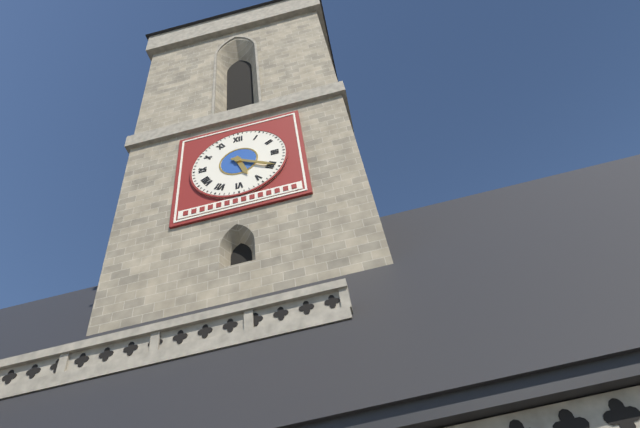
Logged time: 5:20
